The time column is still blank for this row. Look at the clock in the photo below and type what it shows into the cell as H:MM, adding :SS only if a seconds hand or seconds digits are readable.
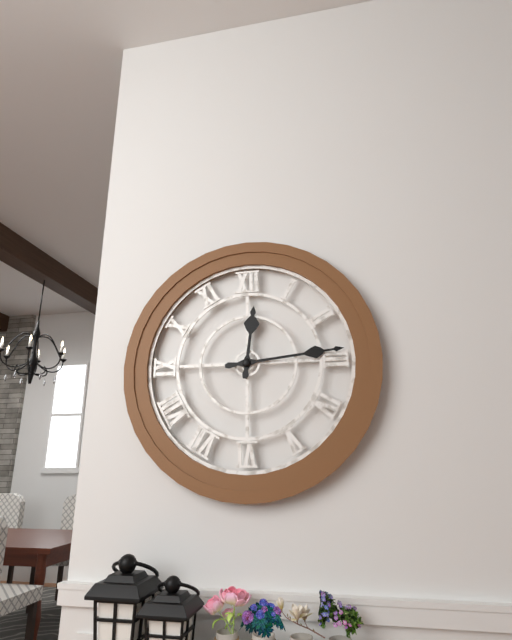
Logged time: 12:14
